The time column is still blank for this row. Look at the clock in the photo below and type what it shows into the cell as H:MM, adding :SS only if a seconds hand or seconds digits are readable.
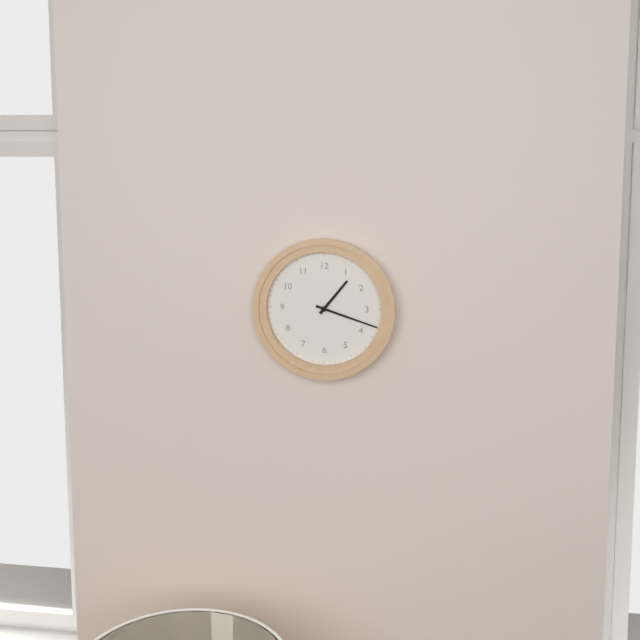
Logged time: 1:18
